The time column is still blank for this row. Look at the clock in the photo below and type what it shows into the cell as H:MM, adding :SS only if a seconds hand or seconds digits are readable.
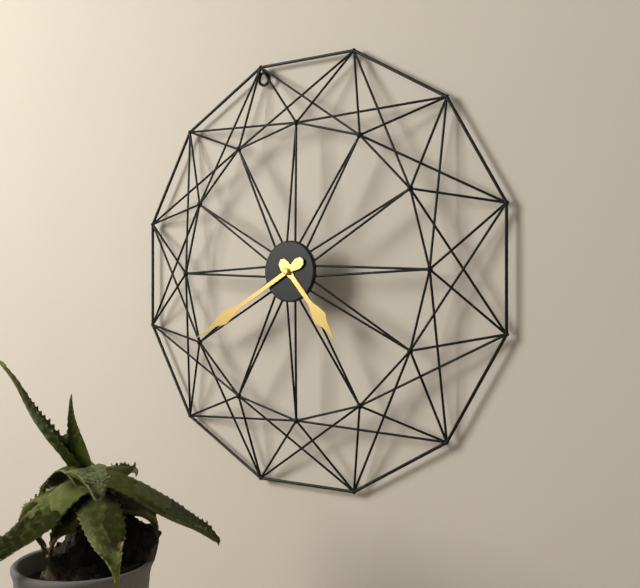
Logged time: 4:40
